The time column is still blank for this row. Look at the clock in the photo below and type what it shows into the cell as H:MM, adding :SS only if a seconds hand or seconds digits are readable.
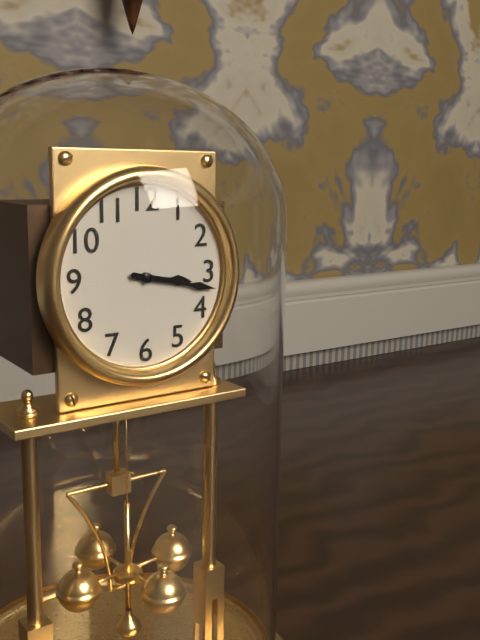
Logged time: 3:17
